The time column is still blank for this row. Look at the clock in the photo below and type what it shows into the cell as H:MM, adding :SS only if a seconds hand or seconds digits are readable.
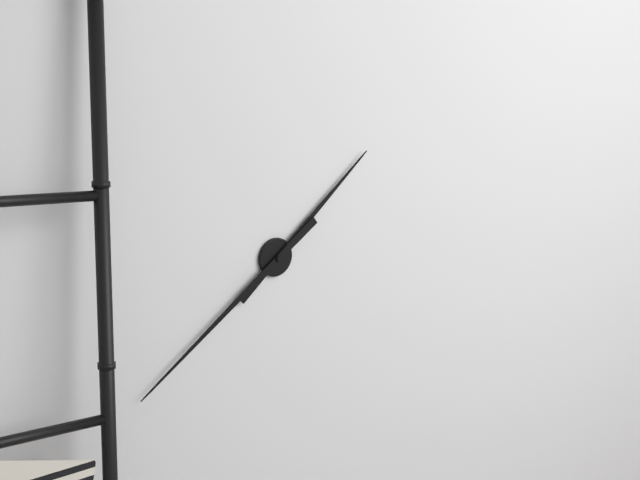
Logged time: 1:39
